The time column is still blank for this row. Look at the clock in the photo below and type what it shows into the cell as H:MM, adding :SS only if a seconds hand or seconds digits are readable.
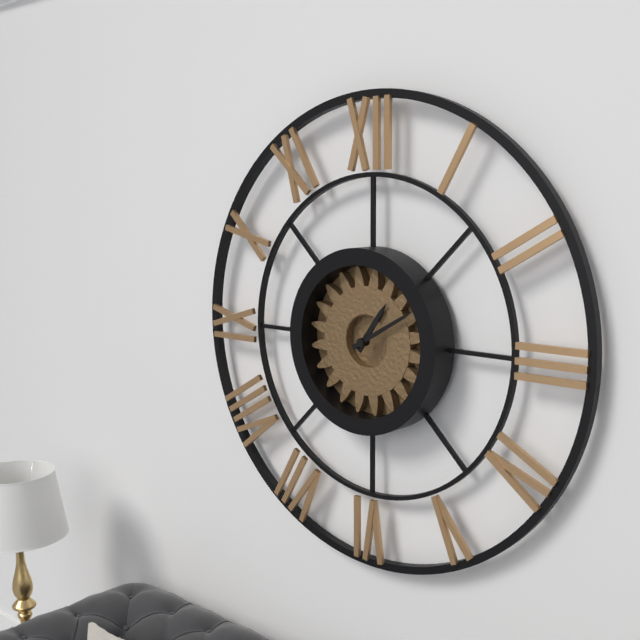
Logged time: 1:10
